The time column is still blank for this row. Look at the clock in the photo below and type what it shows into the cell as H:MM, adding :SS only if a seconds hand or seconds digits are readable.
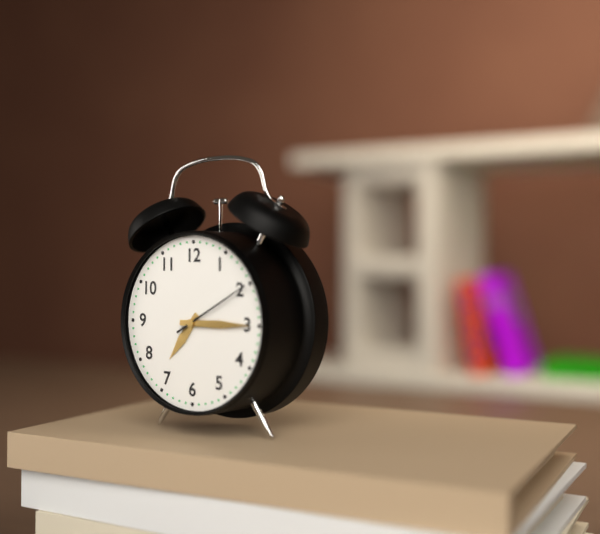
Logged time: 7:15:10
